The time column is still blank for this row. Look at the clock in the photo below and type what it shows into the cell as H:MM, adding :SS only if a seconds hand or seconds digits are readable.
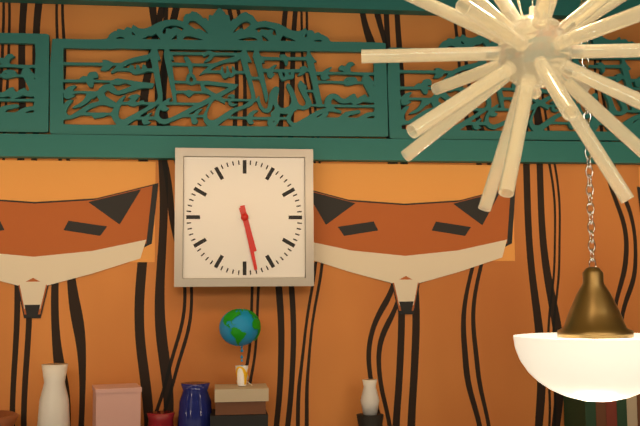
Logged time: 5:28
